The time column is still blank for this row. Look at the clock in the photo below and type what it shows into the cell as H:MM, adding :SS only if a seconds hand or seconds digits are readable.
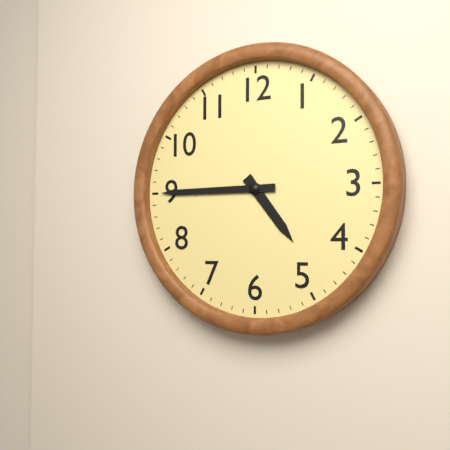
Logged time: 4:45
